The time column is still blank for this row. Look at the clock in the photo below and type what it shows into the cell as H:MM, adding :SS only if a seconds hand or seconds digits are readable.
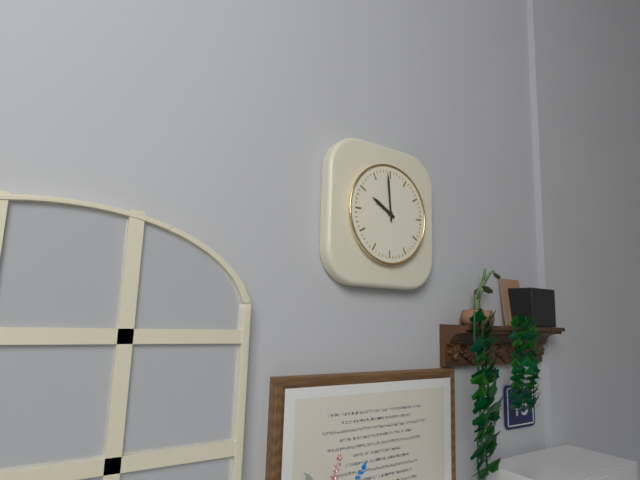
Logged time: 9:59
